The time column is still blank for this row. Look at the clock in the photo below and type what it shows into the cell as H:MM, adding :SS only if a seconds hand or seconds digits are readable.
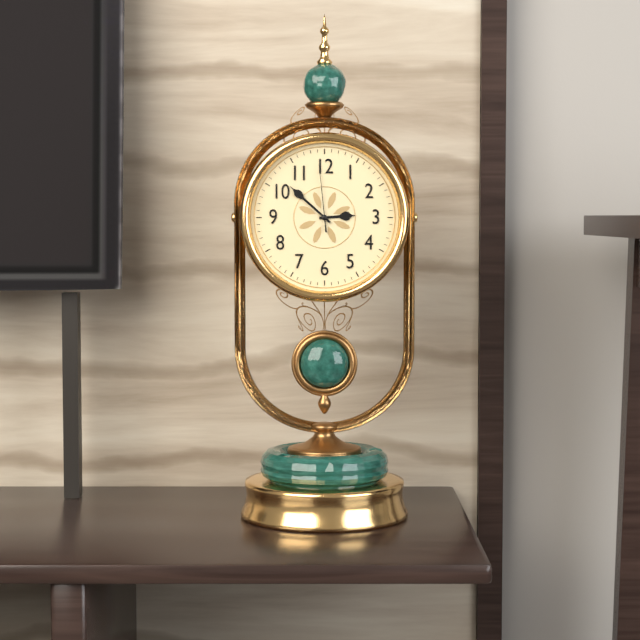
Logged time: 2:52:59
